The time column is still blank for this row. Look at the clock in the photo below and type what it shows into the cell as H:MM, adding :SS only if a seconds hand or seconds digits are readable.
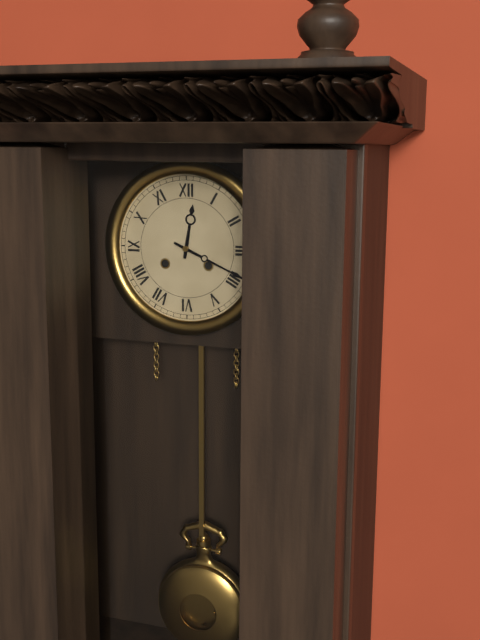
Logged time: 12:19
